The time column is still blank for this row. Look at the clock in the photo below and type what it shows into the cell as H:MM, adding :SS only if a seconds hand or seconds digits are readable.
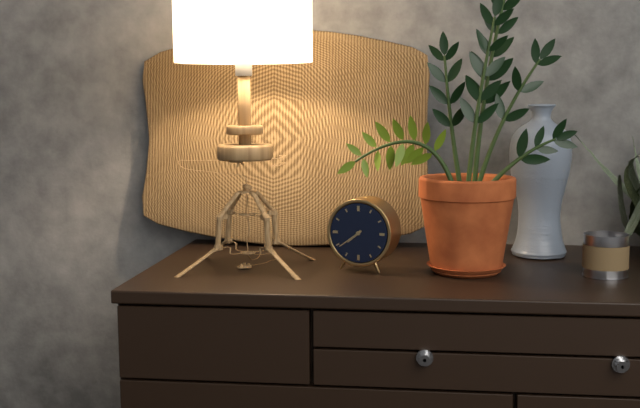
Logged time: 7:39
